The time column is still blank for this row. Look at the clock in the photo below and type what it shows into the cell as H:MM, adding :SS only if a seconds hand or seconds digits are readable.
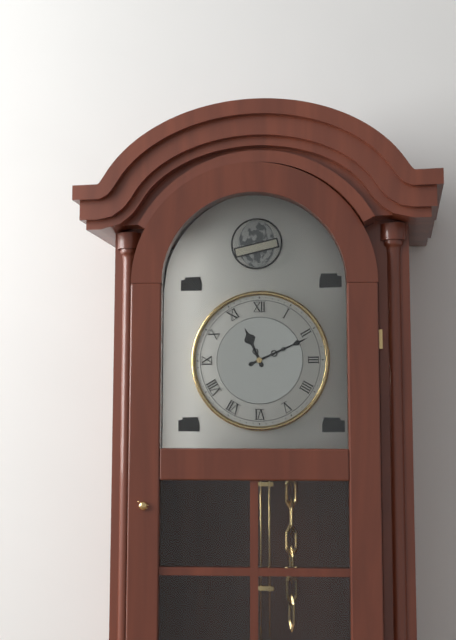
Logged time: 11:11
